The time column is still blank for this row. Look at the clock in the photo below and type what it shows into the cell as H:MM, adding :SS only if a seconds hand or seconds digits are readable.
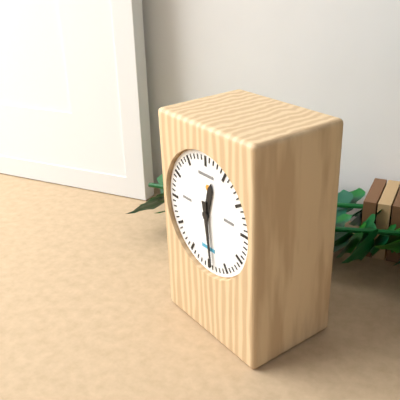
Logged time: 12:29
